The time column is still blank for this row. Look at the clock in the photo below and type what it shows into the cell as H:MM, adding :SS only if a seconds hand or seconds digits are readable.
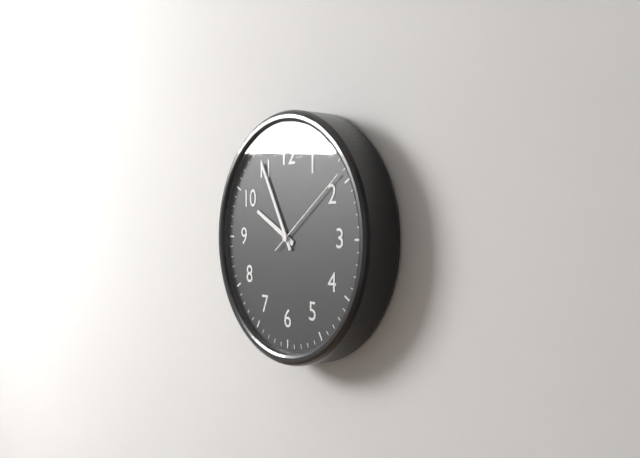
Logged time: 9:55:09
